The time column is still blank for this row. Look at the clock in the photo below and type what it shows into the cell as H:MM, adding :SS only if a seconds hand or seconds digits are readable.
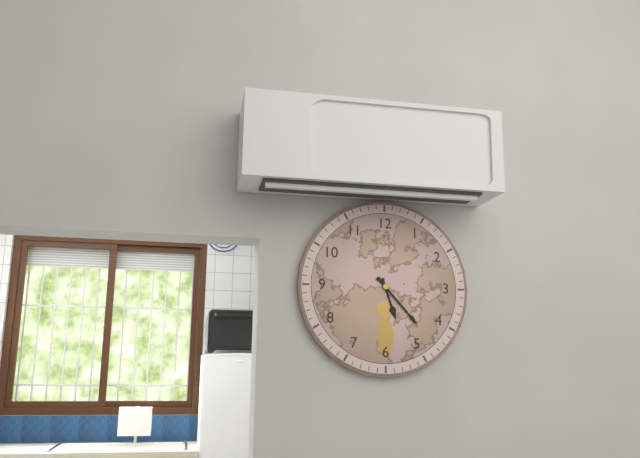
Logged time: 5:23
